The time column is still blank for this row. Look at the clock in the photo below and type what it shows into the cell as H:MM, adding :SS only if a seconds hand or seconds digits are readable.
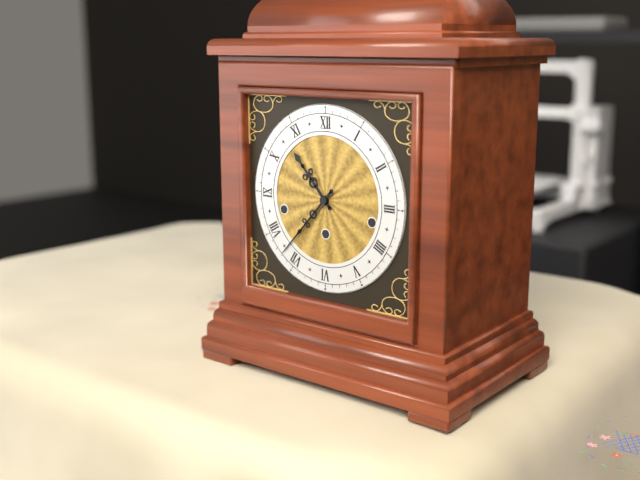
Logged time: 10:37
